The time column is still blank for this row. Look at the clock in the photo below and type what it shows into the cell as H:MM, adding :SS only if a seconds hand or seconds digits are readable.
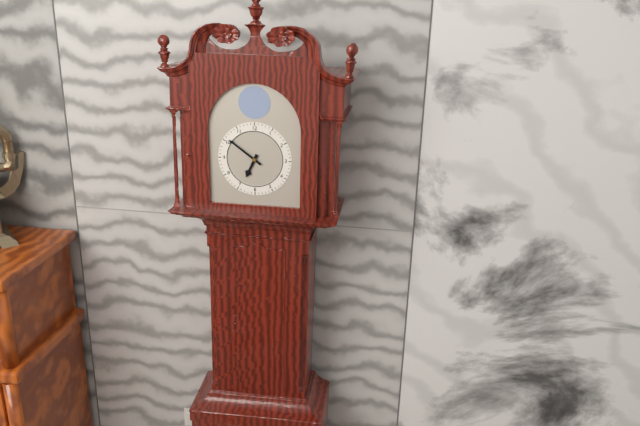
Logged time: 6:51
